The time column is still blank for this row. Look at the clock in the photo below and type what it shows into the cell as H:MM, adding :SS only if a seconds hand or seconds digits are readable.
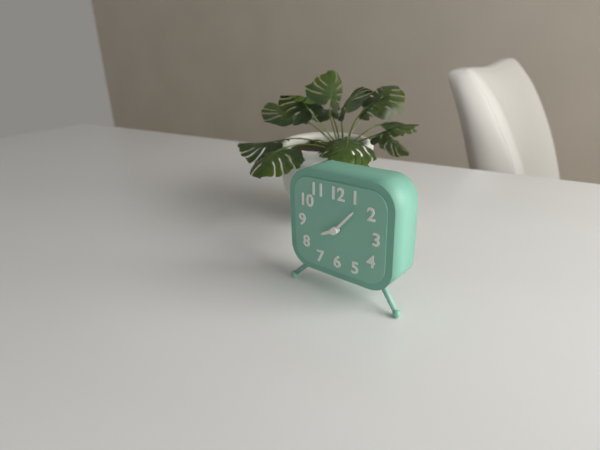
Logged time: 8:07
